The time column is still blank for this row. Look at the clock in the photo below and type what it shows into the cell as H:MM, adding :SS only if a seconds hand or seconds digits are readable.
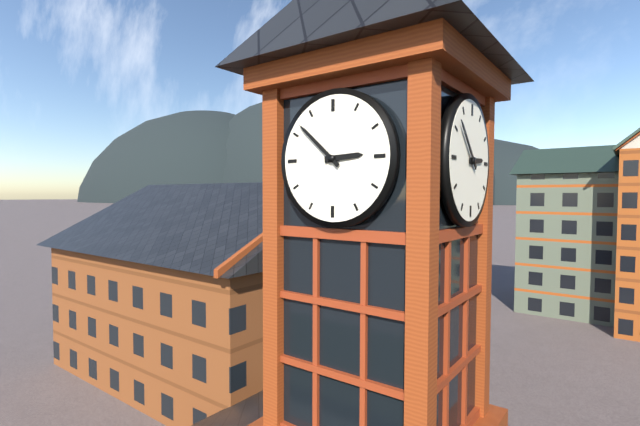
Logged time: 2:52
